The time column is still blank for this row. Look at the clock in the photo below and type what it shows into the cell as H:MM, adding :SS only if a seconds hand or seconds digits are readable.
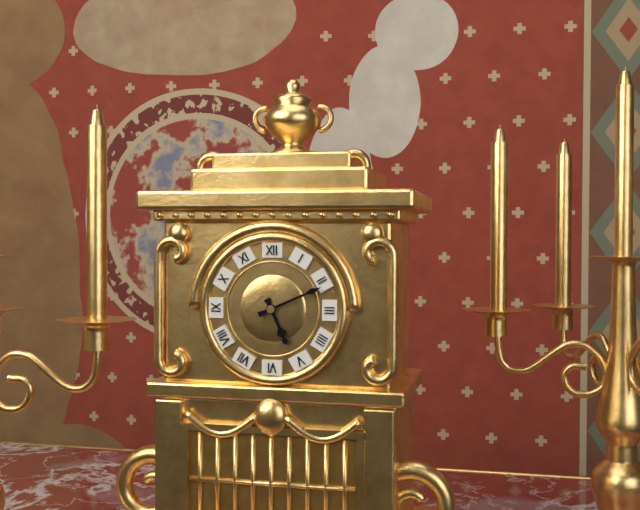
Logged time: 5:11
